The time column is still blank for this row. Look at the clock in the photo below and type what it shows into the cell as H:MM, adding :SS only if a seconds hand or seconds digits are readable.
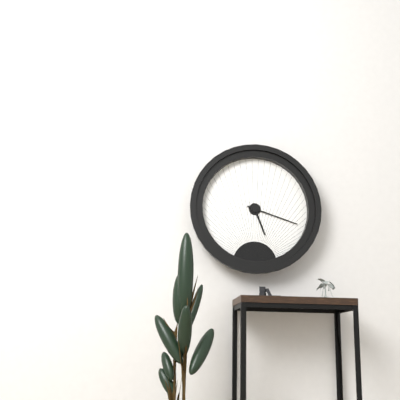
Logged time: 5:18
